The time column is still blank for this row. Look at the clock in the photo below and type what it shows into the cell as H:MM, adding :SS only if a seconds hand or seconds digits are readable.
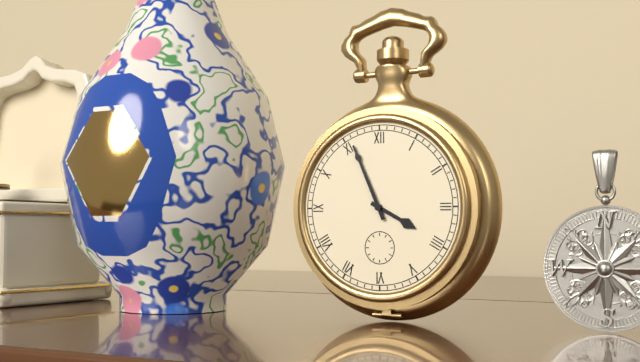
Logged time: 3:56
